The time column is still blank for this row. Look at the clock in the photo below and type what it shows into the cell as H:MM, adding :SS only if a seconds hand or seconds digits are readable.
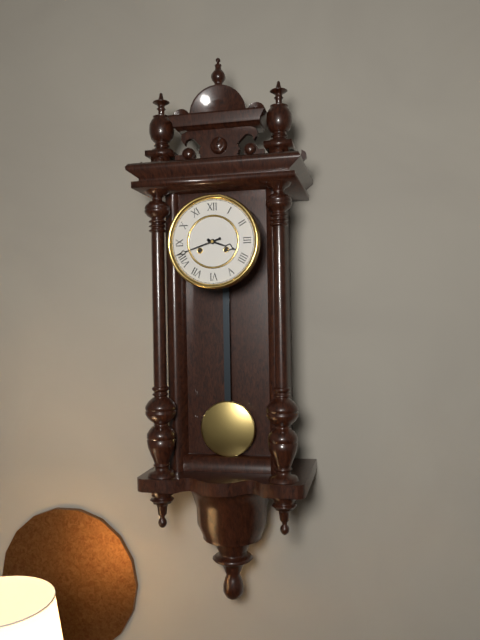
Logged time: 3:42
